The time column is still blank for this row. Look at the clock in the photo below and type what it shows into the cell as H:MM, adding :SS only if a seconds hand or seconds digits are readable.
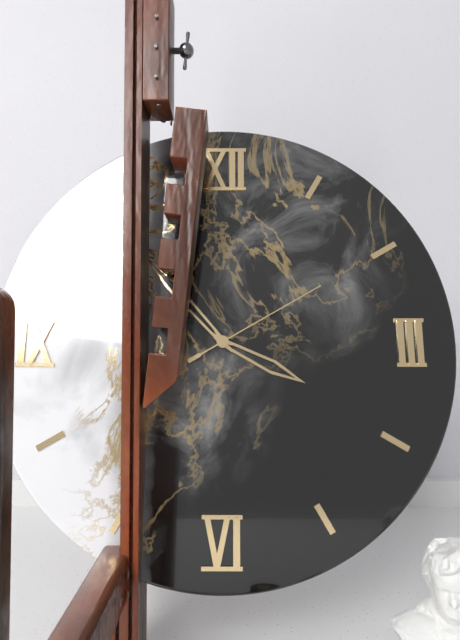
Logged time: 3:53:10
